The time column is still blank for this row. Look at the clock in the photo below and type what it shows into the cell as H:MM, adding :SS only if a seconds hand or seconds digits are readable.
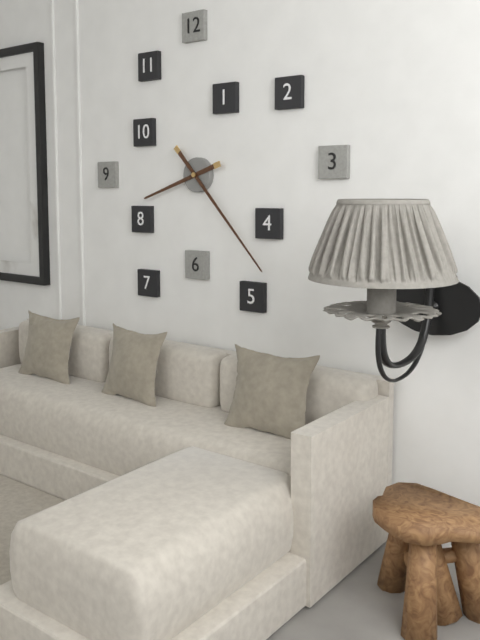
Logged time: 8:23
